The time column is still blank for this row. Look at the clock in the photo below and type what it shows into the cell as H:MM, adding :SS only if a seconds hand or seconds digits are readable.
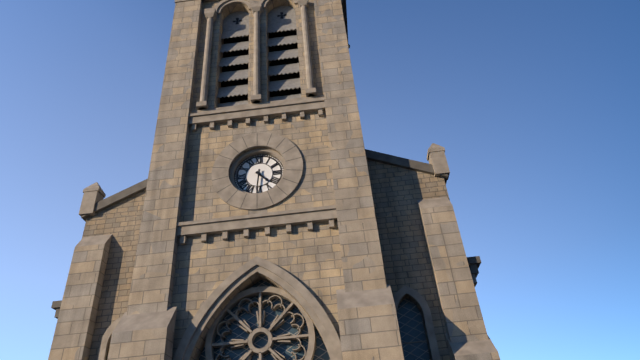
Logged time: 4:31
